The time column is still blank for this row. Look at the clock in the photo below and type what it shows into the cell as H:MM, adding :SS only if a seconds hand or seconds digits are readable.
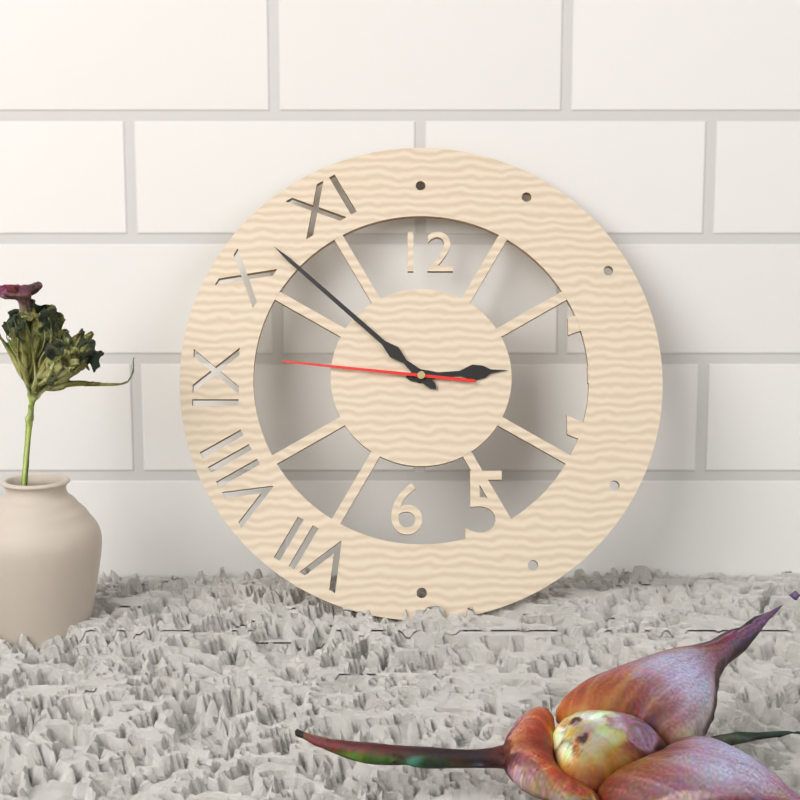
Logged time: 2:52:46
